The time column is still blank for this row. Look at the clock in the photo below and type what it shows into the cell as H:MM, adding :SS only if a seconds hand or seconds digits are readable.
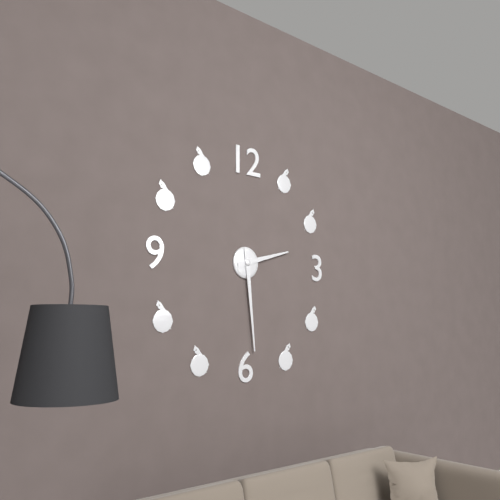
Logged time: 2:29
